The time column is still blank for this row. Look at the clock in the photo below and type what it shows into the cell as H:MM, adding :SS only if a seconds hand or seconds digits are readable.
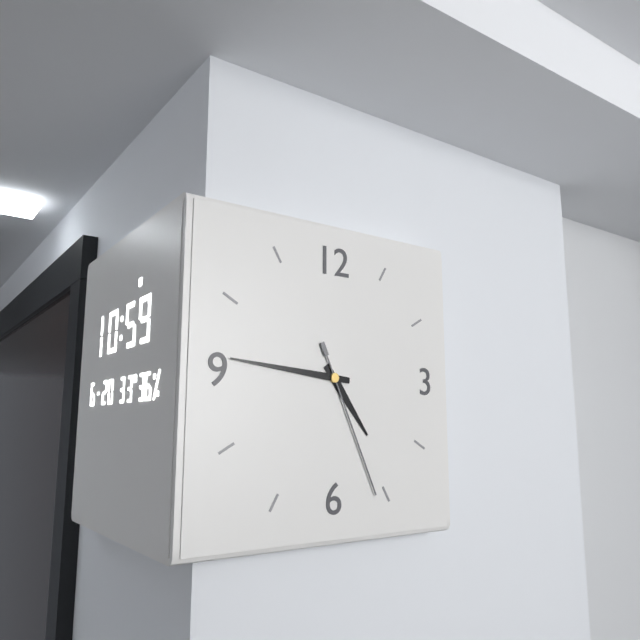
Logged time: 4:46:26
